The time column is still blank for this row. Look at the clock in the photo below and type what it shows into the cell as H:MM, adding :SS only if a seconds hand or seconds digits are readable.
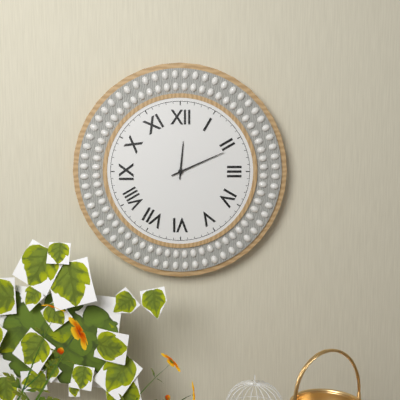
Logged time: 12:11
